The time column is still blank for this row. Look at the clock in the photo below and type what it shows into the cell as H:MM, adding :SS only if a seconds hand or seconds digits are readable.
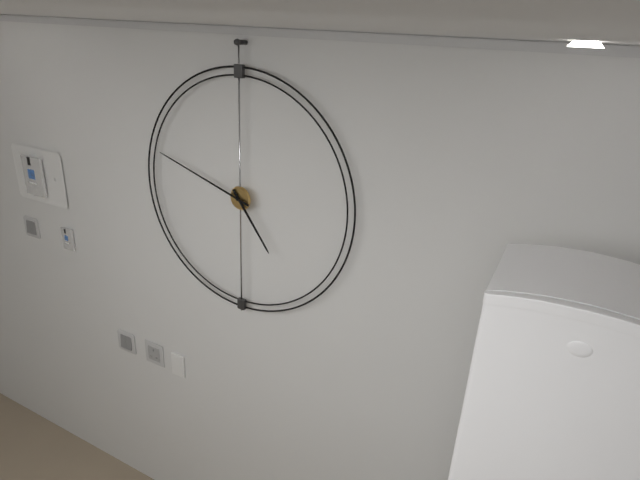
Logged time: 4:48
